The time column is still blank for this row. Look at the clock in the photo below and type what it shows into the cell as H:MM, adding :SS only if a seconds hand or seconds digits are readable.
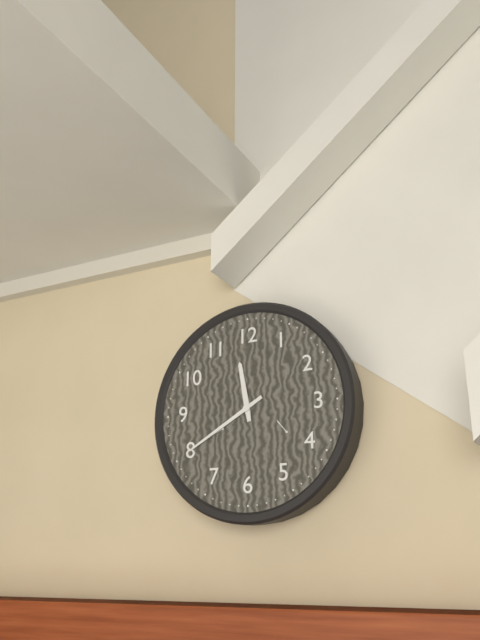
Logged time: 11:40
